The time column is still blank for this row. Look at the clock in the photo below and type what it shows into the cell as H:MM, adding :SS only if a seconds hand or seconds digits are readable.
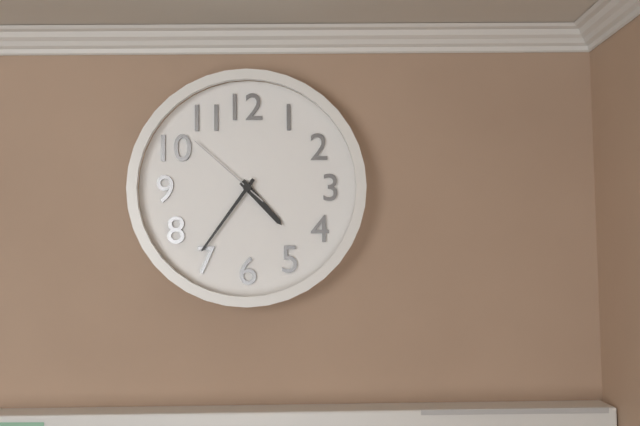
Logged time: 4:36:52
